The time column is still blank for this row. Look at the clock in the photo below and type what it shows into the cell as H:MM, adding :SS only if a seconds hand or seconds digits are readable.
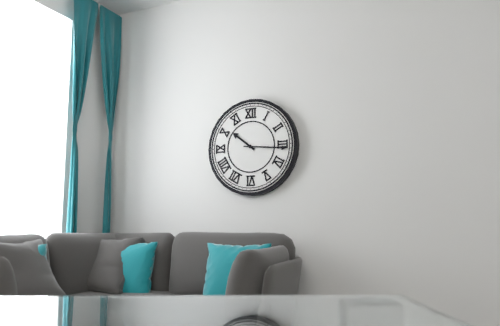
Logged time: 10:16
